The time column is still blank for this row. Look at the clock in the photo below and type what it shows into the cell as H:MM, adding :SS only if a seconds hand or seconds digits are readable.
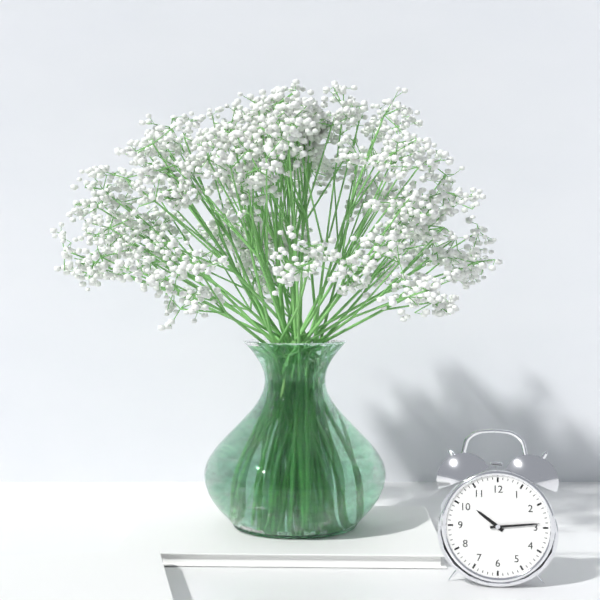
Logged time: 10:14
